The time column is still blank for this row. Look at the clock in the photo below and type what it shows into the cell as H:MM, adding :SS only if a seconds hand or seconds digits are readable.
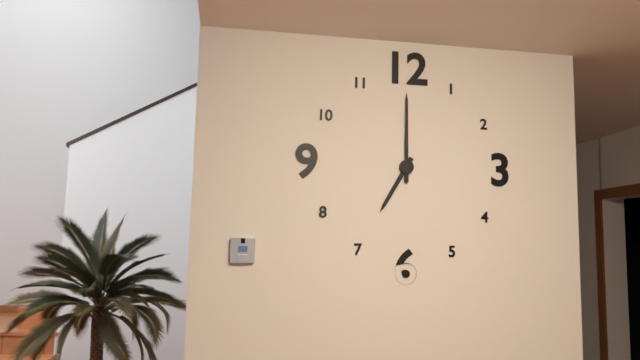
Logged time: 7:00
